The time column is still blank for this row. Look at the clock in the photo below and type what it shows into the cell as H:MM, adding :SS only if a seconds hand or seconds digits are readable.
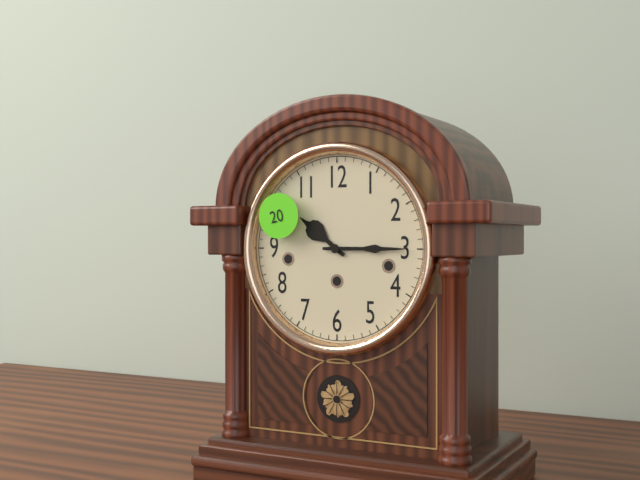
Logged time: 10:15
